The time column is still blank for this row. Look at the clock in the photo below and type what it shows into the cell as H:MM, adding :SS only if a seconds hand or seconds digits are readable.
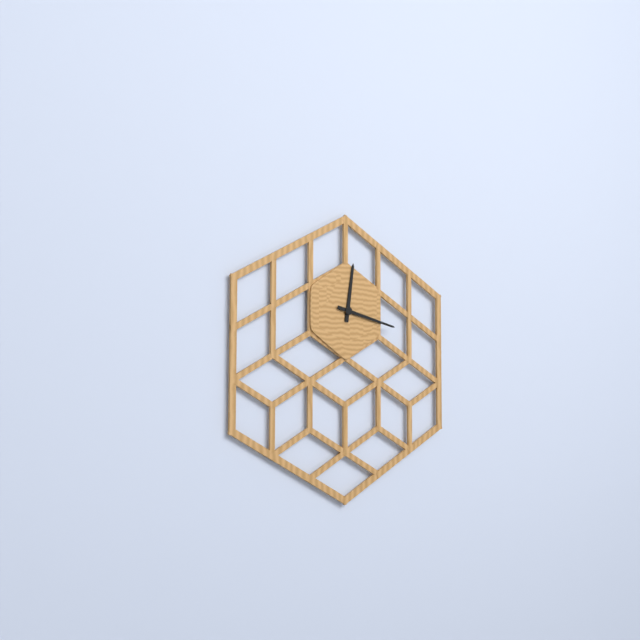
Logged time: 12:17
